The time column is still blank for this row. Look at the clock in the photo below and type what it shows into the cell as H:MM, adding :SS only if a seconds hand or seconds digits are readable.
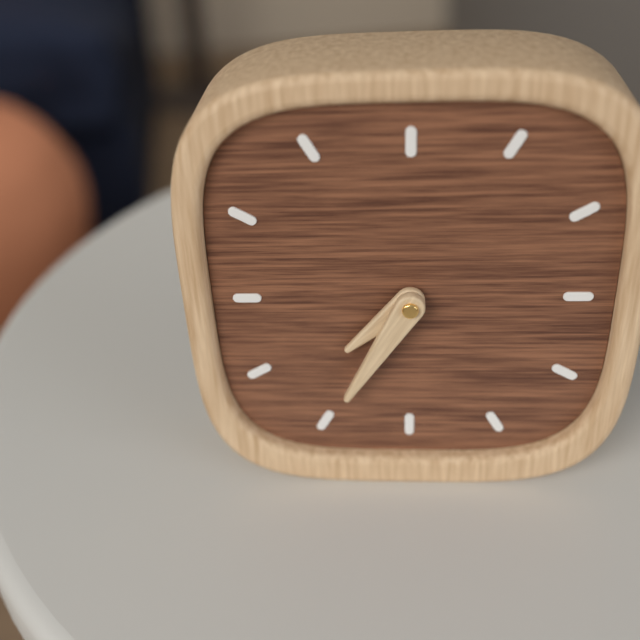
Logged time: 7:35
